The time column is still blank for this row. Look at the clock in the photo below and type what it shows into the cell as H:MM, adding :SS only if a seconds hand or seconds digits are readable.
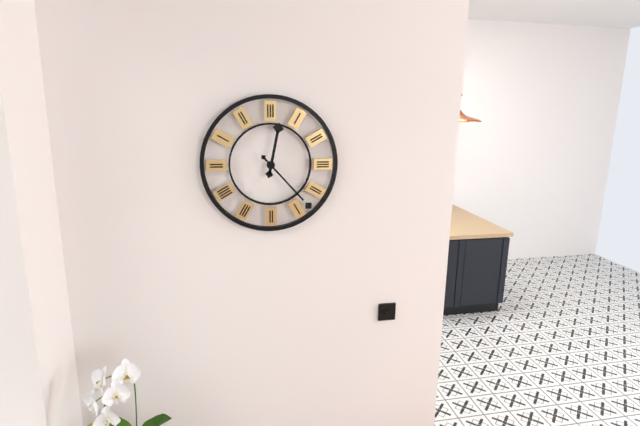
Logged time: 12:23
